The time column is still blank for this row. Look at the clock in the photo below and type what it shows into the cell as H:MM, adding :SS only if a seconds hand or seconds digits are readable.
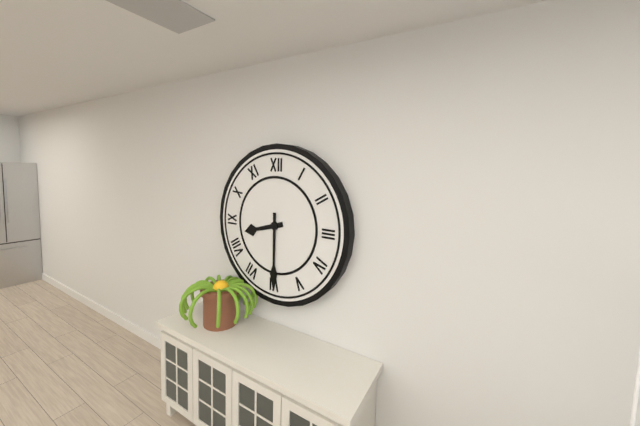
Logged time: 8:30
